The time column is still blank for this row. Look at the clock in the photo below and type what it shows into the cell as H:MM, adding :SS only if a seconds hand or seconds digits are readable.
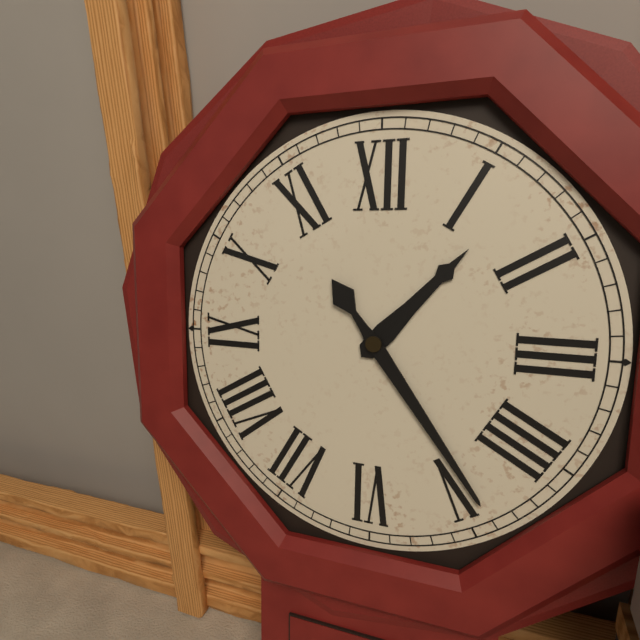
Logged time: 1:24
